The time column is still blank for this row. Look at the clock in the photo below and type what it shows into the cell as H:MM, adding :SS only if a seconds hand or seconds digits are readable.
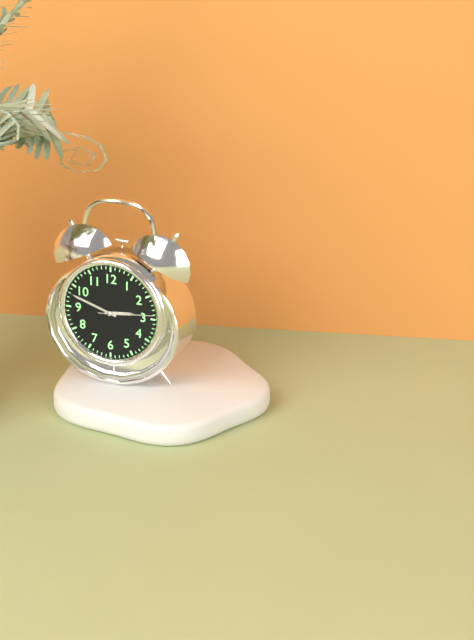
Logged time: 2:48:14
